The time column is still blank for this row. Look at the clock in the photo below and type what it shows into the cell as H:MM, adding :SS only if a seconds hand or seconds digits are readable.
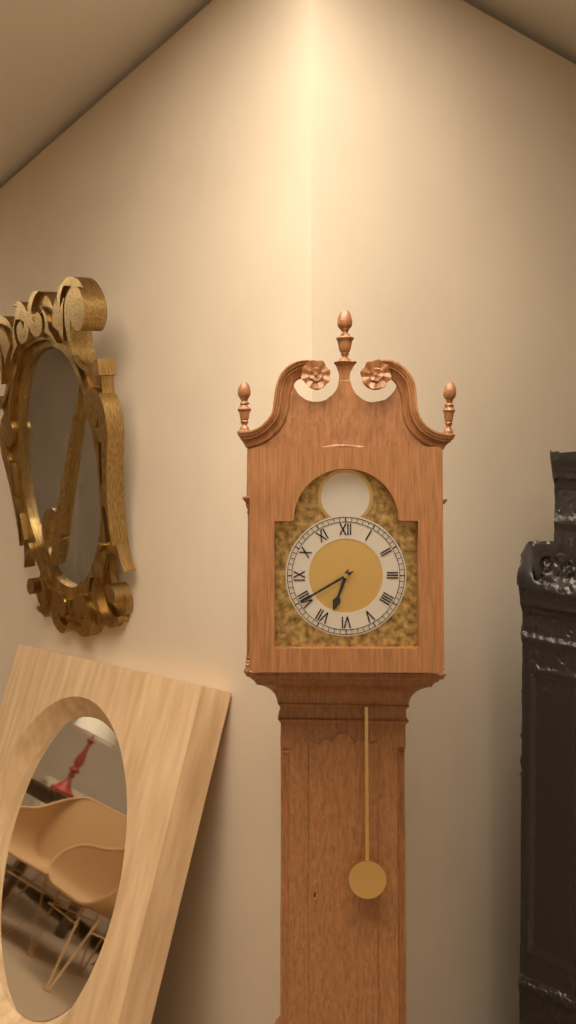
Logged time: 6:40
